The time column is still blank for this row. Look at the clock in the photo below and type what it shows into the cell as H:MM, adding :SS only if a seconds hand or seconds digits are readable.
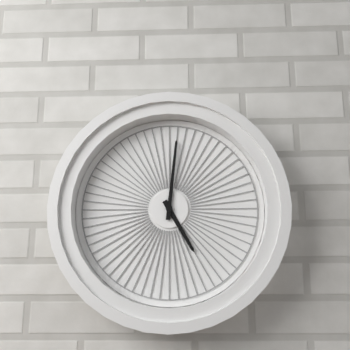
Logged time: 5:01
